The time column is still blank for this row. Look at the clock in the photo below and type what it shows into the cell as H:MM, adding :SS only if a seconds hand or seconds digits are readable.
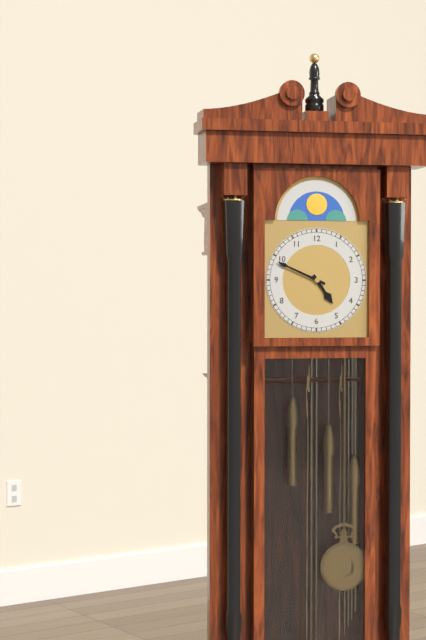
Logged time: 4:49
